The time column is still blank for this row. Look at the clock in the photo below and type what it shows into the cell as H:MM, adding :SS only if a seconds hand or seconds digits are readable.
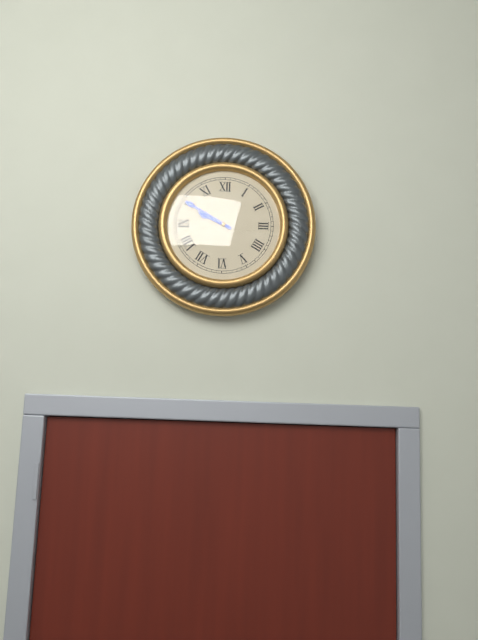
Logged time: 9:50
